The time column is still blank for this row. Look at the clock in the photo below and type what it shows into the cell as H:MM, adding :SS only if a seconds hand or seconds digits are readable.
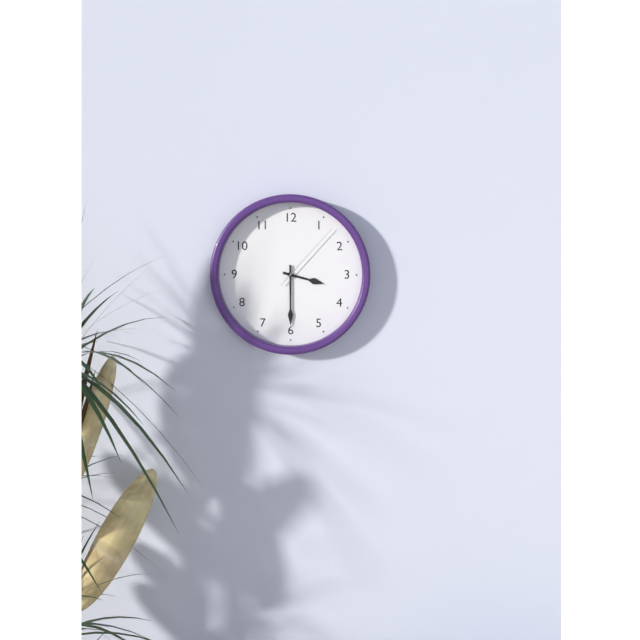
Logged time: 3:30:07
